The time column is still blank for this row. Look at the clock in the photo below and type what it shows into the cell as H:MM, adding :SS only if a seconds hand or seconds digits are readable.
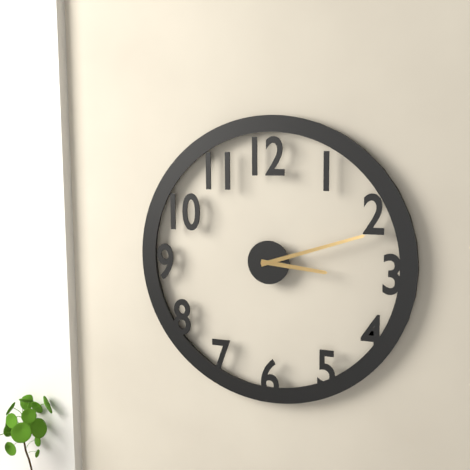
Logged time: 3:12
